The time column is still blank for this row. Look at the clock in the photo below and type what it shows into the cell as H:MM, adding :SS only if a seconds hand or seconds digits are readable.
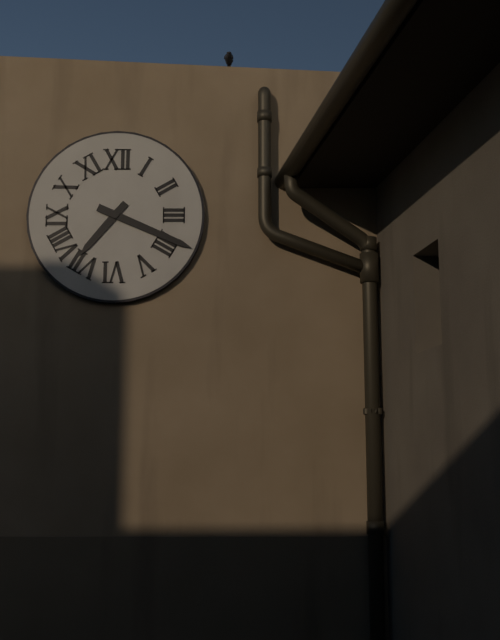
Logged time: 7:19
